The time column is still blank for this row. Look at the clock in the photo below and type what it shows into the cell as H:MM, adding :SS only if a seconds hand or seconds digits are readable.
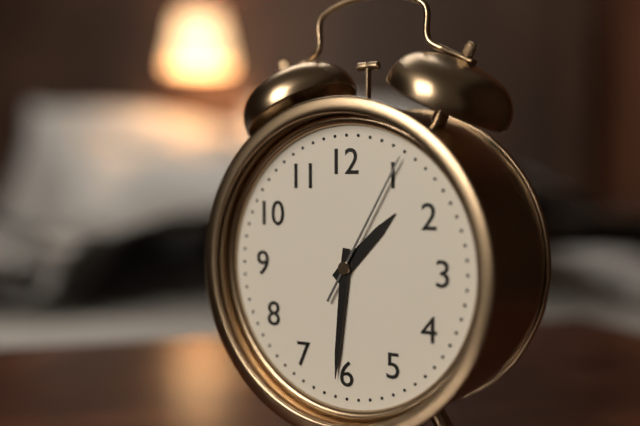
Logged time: 1:31:05
